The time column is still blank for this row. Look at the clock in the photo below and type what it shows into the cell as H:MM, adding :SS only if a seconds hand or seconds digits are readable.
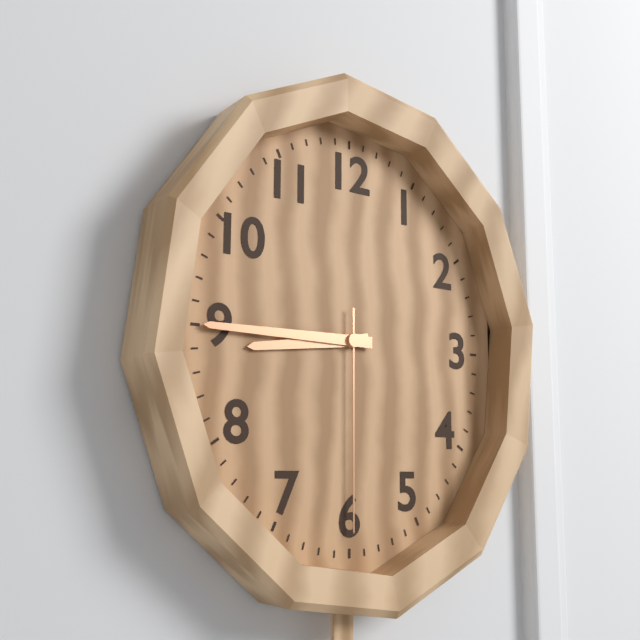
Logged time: 8:45:30
